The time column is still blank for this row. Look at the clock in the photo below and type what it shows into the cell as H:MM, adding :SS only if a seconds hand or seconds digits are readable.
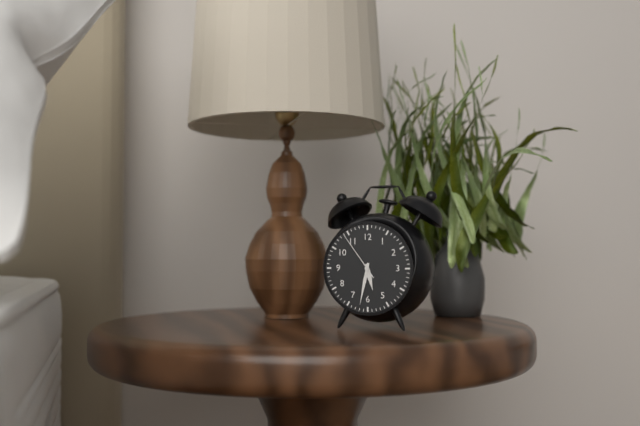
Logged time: 5:32:54
